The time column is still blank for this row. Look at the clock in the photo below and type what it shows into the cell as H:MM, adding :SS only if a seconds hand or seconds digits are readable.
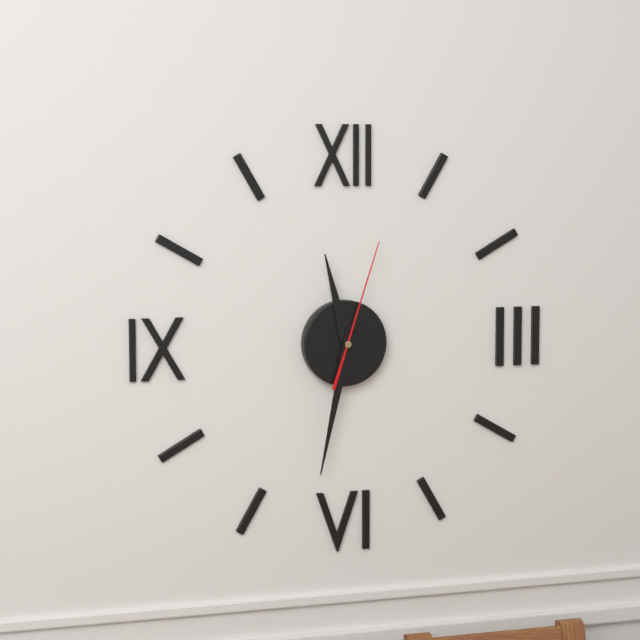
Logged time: 11:32:03
